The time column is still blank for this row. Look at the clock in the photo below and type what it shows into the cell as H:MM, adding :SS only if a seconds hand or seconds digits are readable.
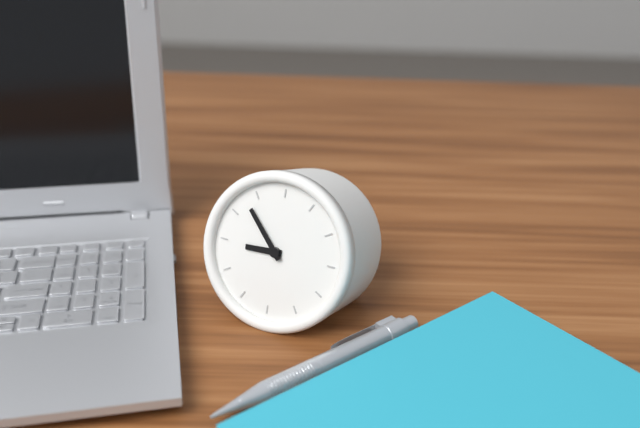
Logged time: 8:53
